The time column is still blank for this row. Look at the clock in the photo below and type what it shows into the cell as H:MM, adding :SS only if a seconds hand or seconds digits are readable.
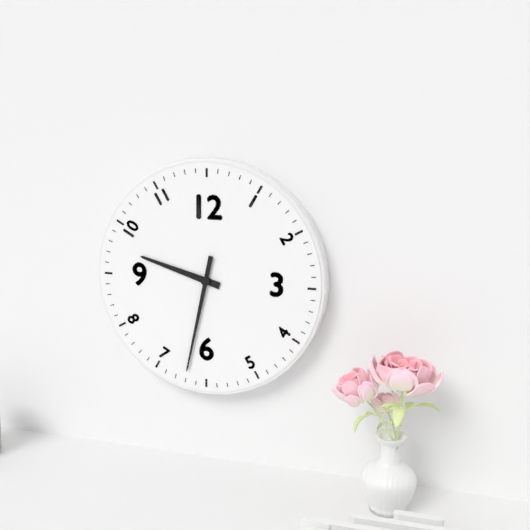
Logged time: 9:32
